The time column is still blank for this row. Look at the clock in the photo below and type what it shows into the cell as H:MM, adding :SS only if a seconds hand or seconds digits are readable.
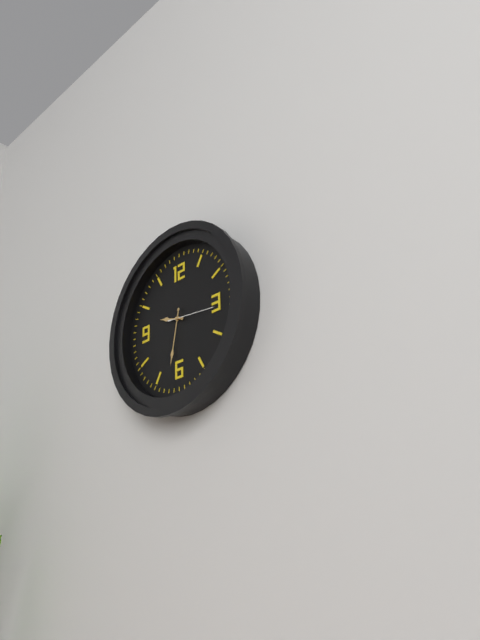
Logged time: 9:32
